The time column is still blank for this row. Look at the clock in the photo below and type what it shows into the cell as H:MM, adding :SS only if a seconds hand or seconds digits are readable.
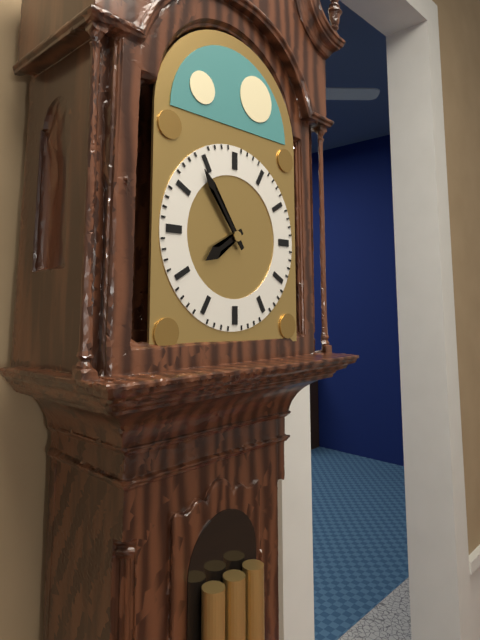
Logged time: 7:54
